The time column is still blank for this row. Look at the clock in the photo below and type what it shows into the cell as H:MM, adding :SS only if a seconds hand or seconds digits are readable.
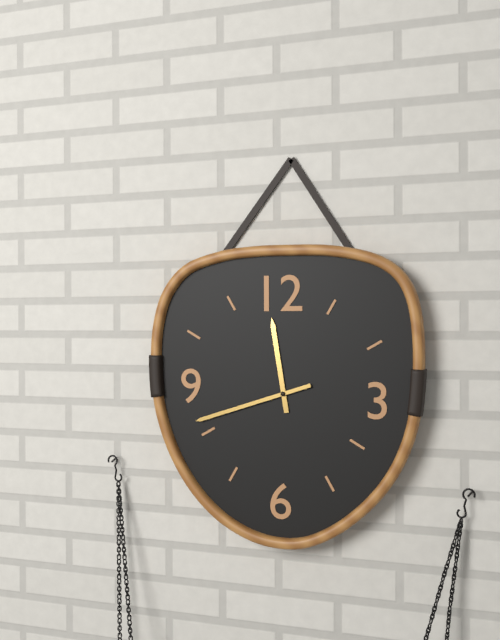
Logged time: 11:42
